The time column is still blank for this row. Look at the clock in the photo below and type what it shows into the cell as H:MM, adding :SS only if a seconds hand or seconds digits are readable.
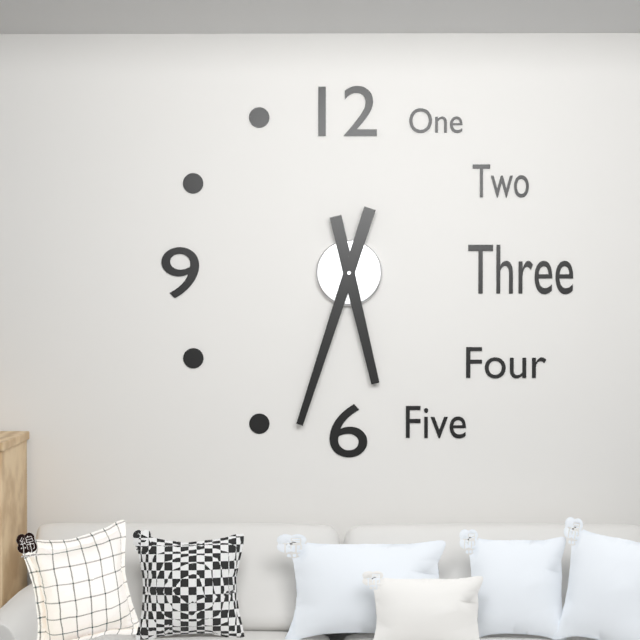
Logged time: 5:33
